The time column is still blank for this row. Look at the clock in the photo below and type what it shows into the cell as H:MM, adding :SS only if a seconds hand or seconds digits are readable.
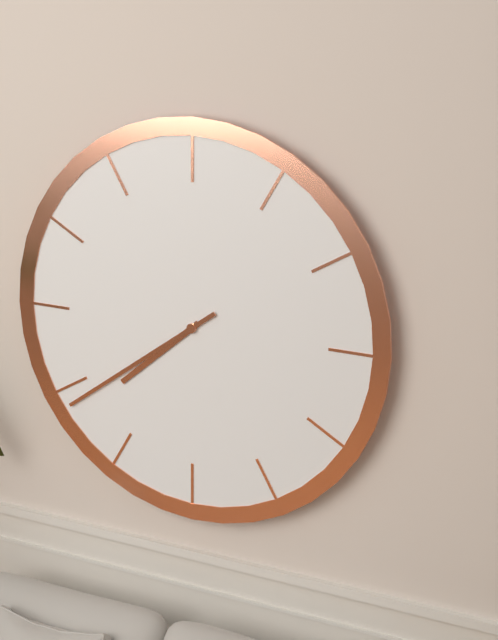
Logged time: 7:39
